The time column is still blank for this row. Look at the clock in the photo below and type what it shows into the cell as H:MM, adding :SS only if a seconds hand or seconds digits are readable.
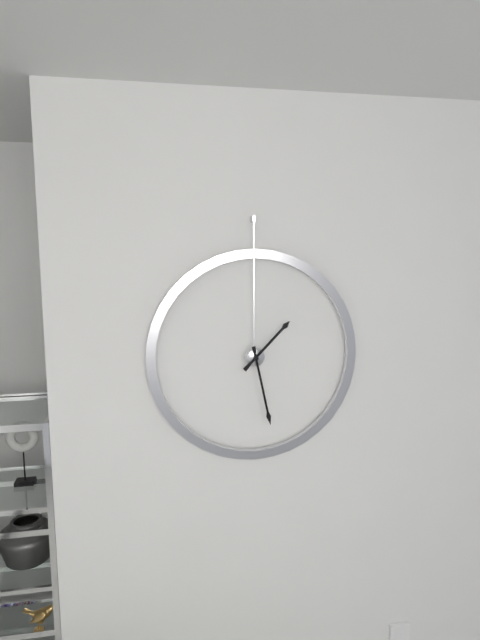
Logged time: 1:28
